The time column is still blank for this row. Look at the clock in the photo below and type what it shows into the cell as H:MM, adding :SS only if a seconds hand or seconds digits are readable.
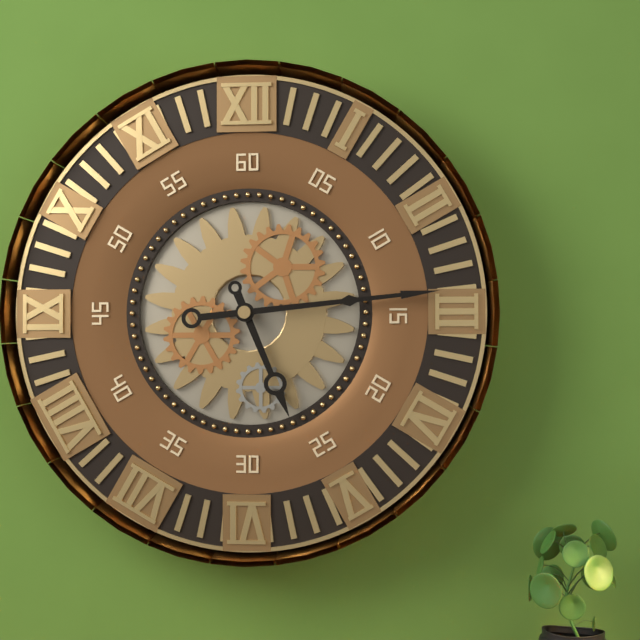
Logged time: 5:14
